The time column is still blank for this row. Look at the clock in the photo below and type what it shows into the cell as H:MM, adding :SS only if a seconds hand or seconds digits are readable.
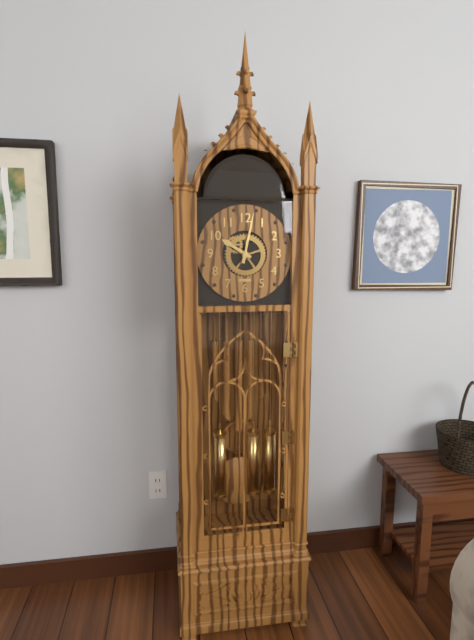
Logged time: 10:02
